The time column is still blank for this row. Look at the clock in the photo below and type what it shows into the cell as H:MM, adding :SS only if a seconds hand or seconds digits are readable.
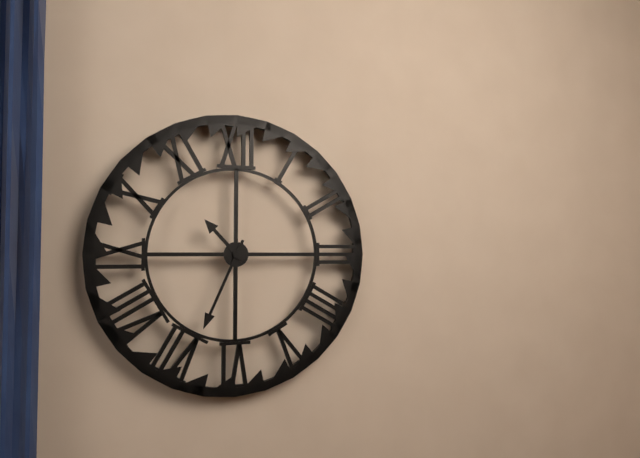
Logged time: 10:34
